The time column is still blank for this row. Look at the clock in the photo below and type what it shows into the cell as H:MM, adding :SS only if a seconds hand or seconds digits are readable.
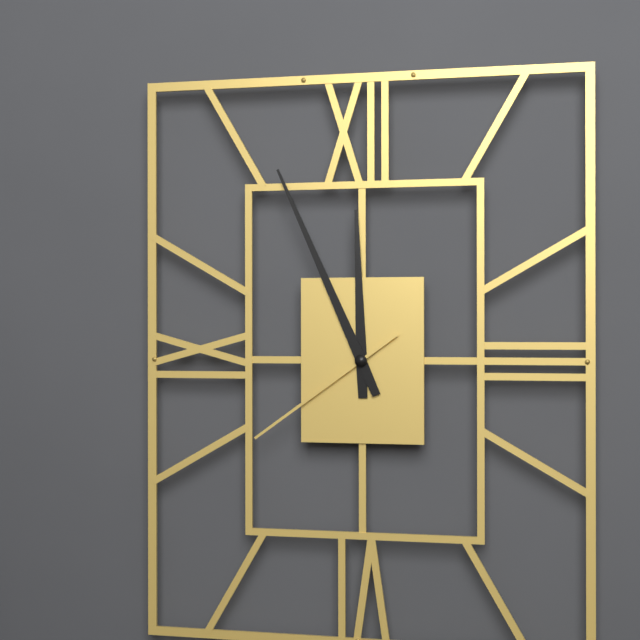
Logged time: 11:56:39
